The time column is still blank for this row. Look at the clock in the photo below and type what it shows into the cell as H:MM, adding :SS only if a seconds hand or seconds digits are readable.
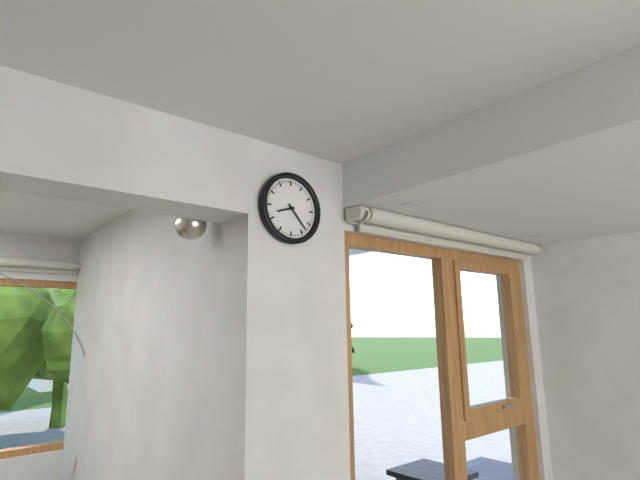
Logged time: 8:23
